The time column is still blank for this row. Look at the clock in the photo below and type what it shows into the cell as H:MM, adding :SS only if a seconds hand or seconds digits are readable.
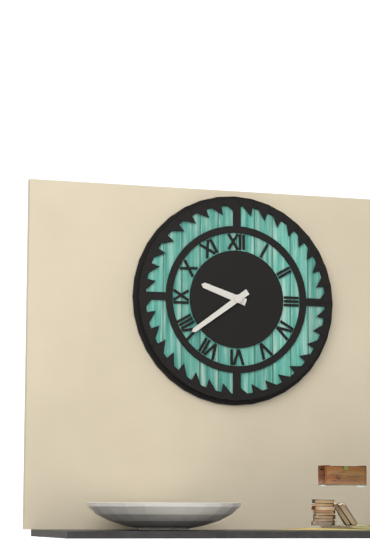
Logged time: 9:39
